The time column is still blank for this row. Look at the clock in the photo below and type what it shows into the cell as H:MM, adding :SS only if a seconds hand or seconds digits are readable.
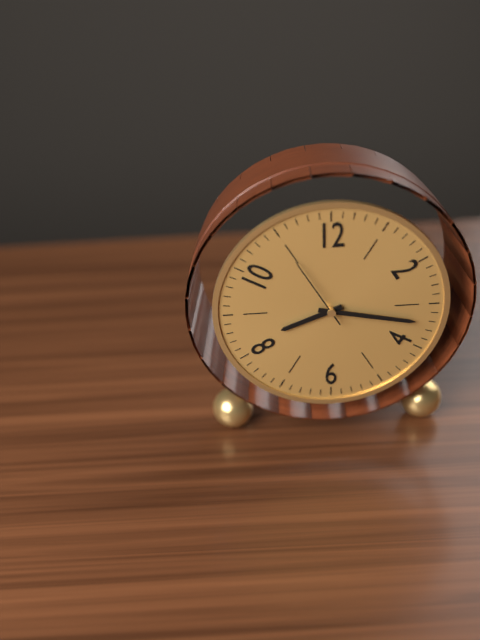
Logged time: 8:17:55
